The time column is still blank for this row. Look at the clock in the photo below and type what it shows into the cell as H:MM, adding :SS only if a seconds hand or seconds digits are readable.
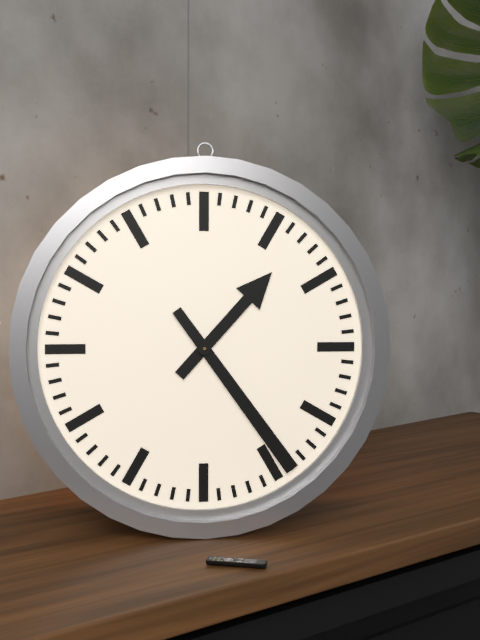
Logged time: 1:24
